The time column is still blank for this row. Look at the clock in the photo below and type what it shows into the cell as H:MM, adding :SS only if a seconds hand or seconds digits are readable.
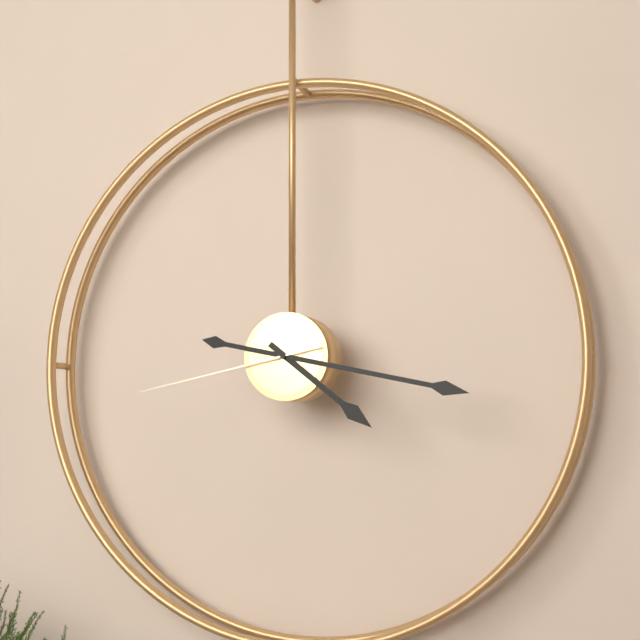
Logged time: 4:17:43
